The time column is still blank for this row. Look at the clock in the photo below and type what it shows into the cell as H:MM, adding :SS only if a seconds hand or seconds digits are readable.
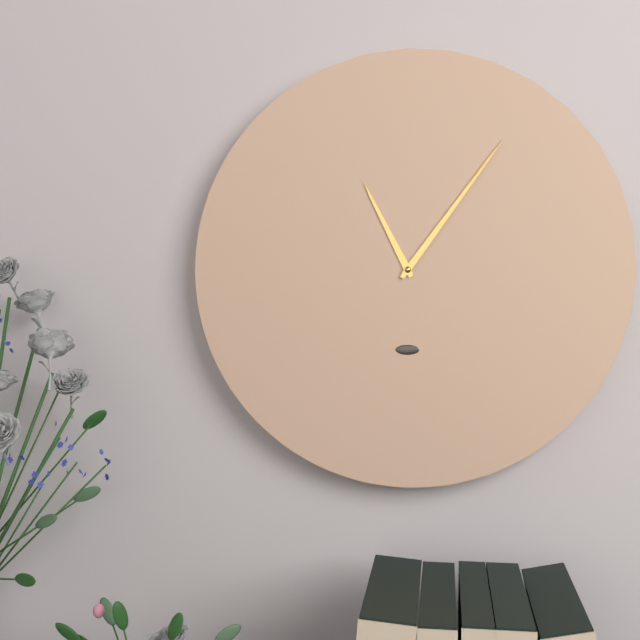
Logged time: 11:06
